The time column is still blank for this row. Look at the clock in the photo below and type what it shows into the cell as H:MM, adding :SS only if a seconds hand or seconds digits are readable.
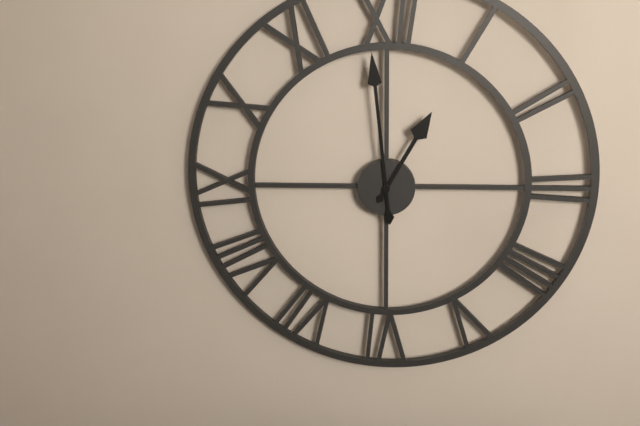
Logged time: 12:59
